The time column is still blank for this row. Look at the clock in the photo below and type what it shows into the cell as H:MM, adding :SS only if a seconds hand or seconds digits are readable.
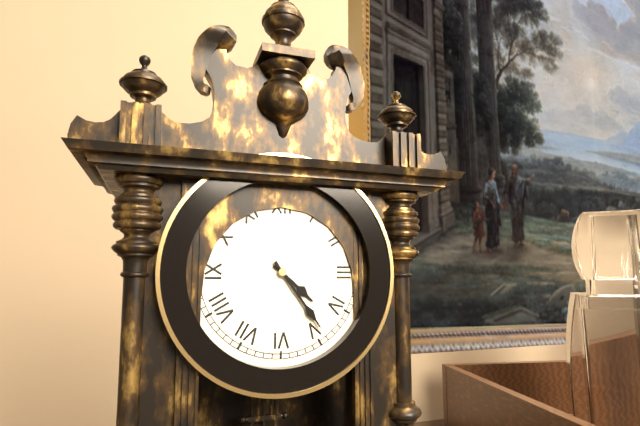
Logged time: 4:24
